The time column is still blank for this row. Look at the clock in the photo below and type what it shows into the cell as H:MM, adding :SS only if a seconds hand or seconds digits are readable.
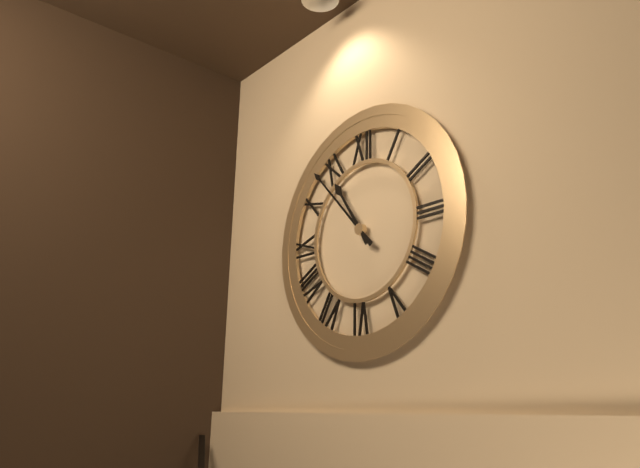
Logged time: 10:53
